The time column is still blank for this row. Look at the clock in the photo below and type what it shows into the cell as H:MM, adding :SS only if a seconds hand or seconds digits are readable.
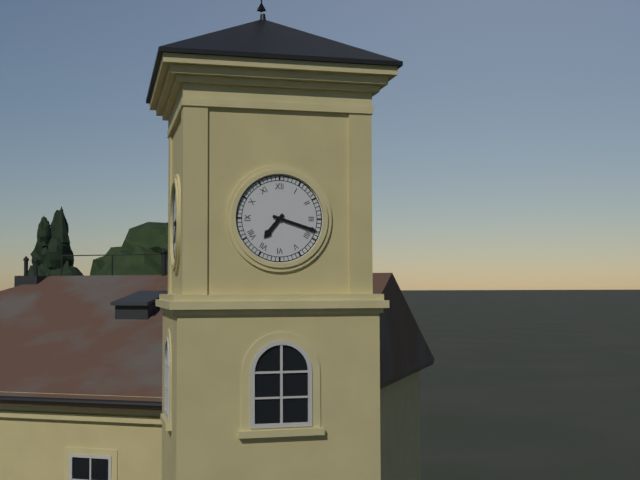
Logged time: 7:18
